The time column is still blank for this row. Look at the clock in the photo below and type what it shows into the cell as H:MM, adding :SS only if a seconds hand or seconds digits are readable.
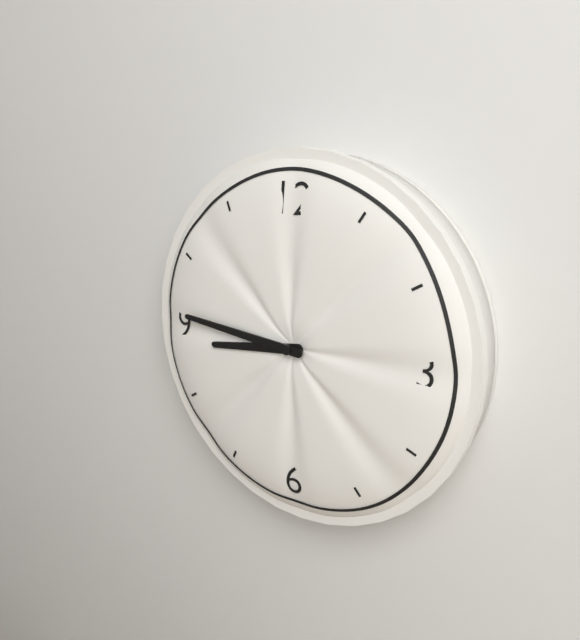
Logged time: 8:46
